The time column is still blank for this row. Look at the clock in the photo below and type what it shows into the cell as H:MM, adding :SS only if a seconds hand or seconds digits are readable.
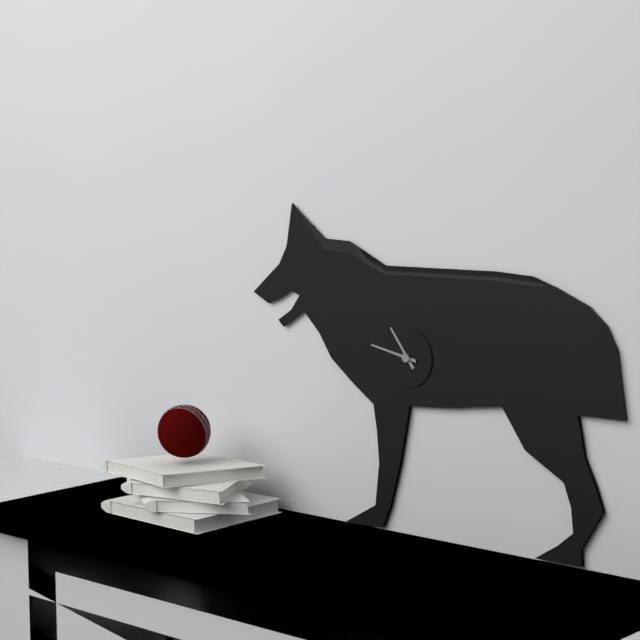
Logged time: 10:47
